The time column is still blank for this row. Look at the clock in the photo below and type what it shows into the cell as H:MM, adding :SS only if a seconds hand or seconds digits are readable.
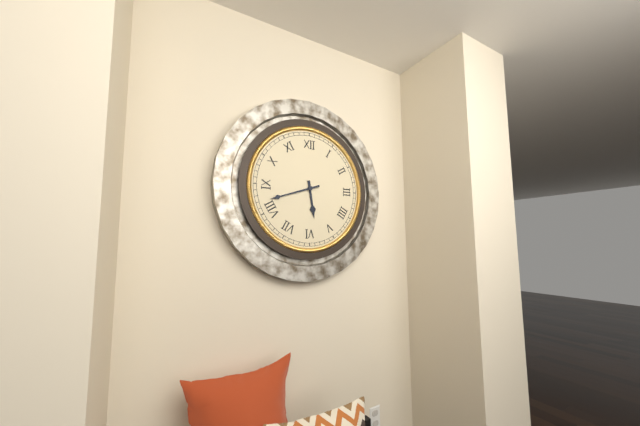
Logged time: 5:42
